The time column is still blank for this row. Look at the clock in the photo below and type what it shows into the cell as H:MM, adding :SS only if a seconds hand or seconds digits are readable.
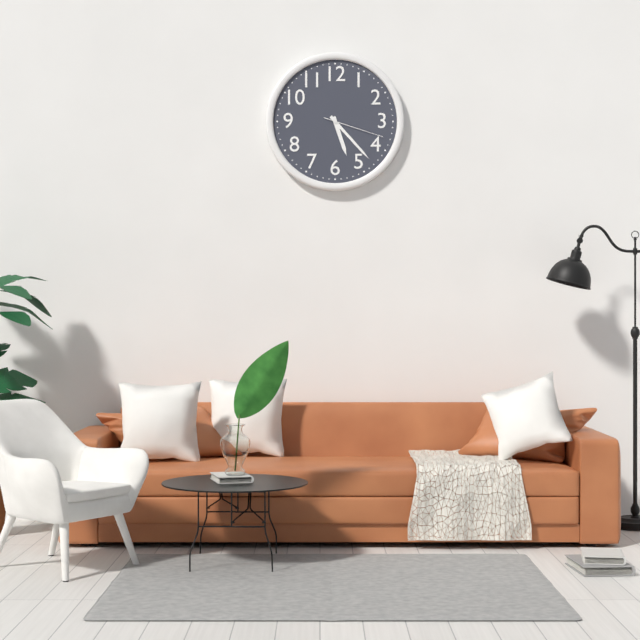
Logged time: 5:23:18
